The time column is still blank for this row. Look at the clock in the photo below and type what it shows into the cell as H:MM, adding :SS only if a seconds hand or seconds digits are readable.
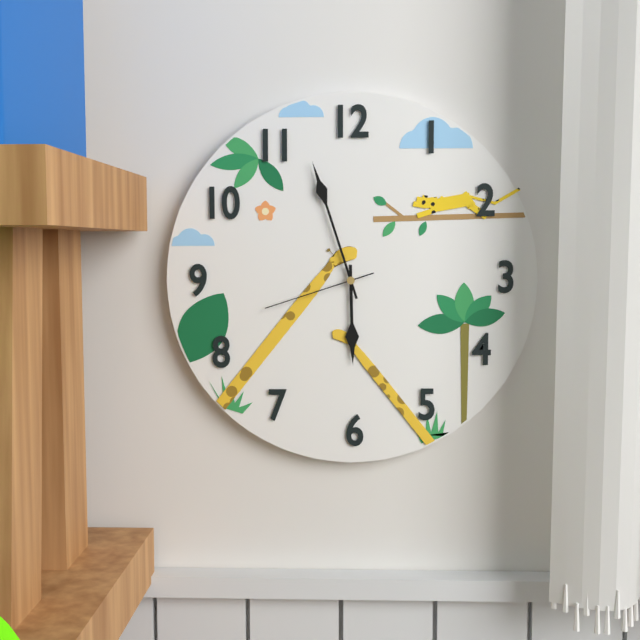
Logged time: 5:57:42
